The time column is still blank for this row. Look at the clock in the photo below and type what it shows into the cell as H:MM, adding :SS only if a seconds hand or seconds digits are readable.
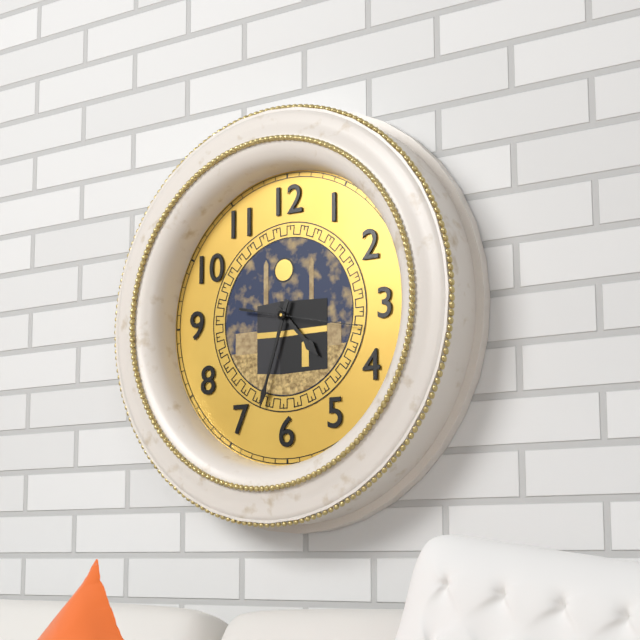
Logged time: 4:33:17
